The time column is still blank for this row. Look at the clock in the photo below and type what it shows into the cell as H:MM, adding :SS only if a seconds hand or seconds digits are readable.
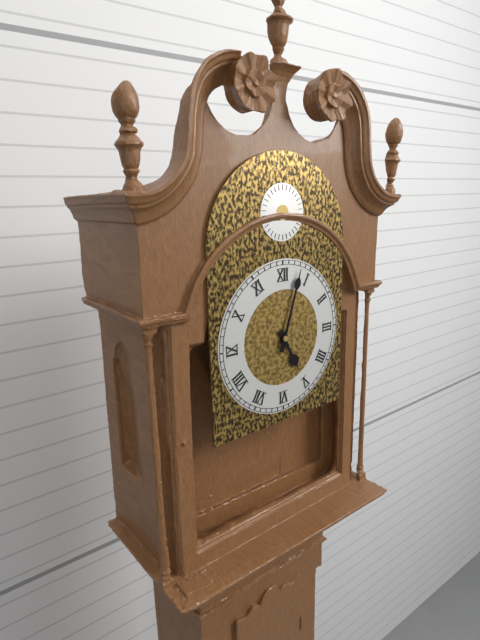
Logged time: 5:03
